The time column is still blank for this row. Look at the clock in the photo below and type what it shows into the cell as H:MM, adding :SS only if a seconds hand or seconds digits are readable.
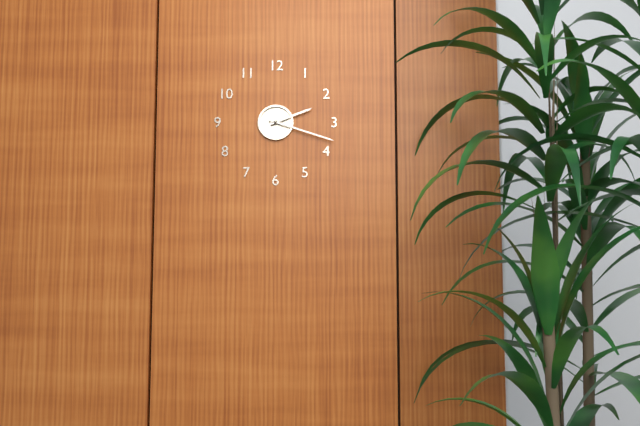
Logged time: 2:18
